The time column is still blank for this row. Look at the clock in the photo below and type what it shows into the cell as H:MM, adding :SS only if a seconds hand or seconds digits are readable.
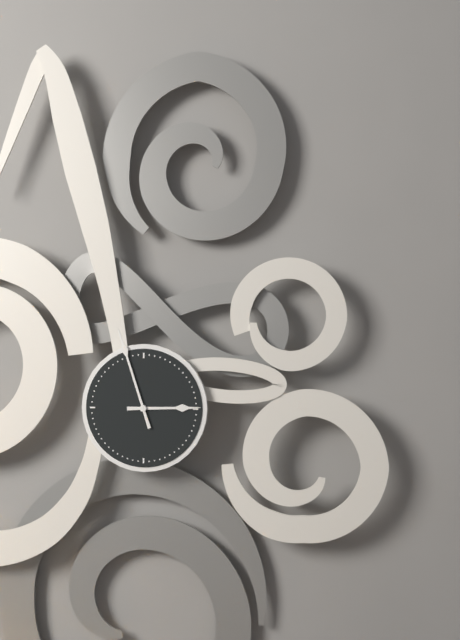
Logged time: 2:57
